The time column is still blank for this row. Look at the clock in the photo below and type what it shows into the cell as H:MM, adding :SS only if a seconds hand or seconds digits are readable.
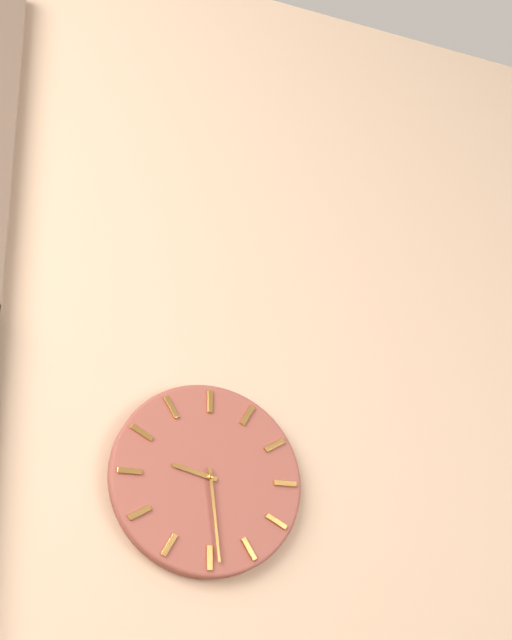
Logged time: 9:29
